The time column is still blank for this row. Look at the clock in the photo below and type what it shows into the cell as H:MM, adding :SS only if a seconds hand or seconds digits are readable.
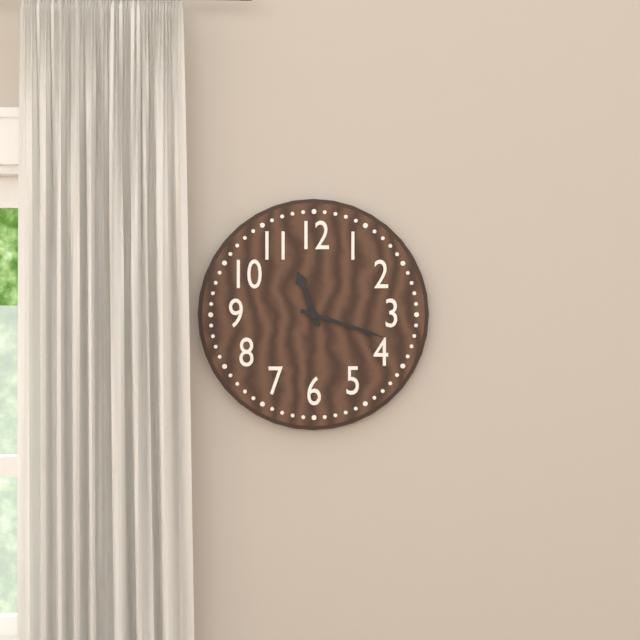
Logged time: 11:18
